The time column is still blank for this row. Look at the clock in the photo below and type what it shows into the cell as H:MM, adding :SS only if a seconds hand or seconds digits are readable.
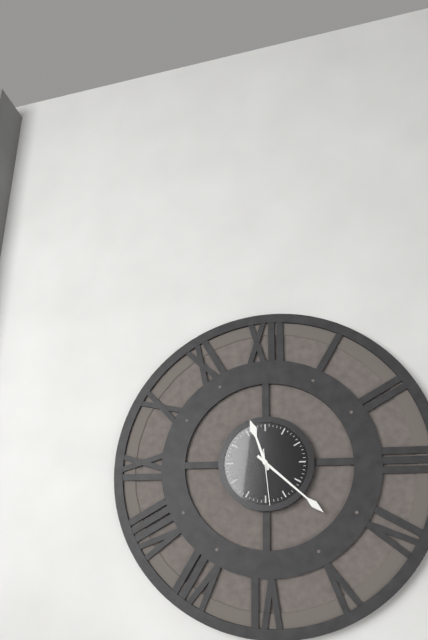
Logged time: 11:22
